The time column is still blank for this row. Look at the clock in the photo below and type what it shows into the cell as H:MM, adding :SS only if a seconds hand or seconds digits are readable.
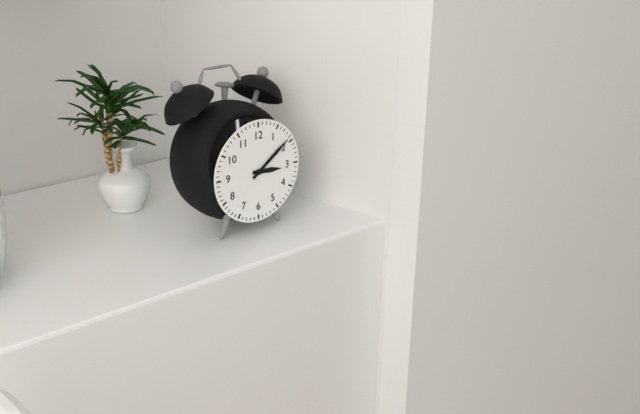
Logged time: 3:09
